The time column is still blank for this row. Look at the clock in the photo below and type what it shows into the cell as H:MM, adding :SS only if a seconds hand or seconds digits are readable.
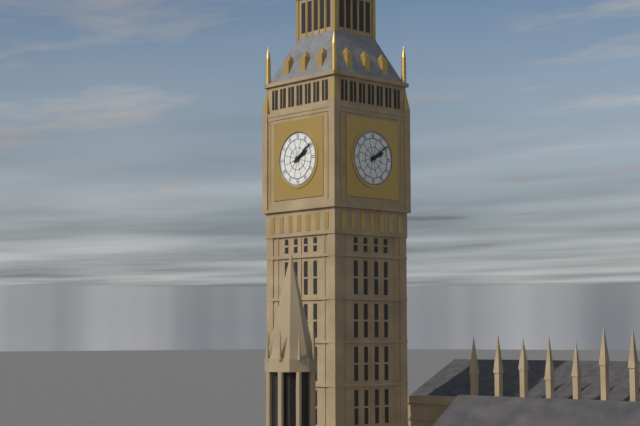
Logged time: 2:09
